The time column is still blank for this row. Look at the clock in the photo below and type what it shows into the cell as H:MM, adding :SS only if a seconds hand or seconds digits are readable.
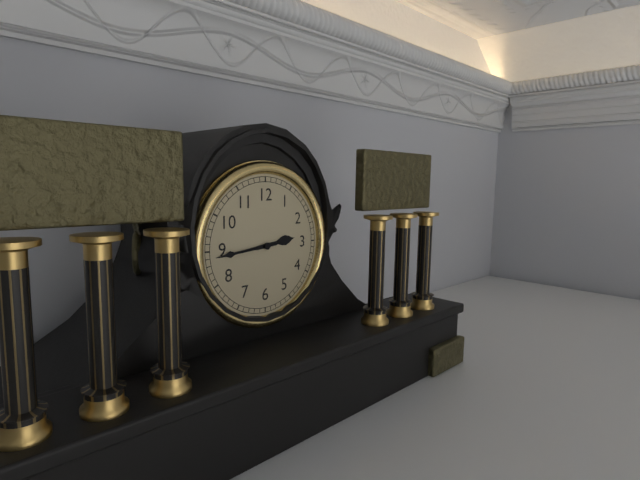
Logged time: 2:44
